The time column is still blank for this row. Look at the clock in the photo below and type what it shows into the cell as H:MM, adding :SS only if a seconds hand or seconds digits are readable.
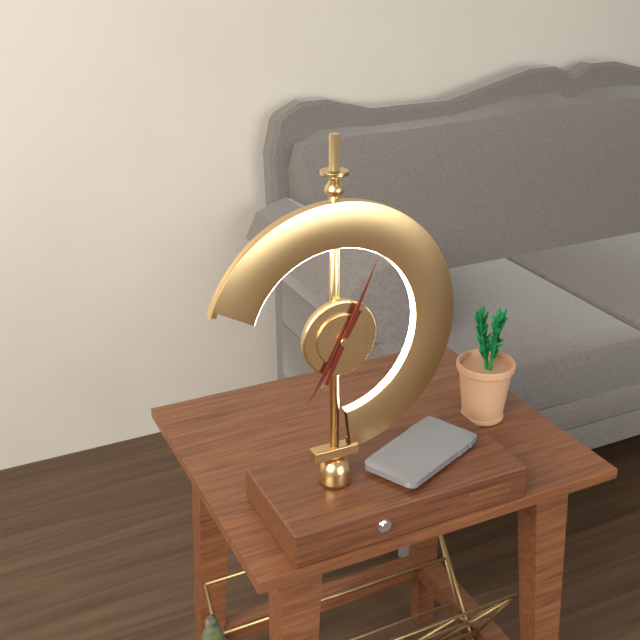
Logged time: 7:04
